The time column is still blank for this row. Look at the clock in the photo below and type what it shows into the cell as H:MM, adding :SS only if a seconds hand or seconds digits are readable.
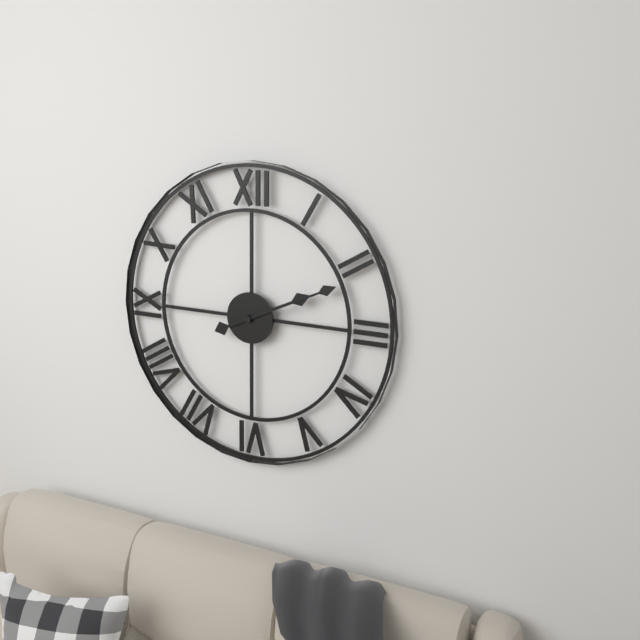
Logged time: 2:11
